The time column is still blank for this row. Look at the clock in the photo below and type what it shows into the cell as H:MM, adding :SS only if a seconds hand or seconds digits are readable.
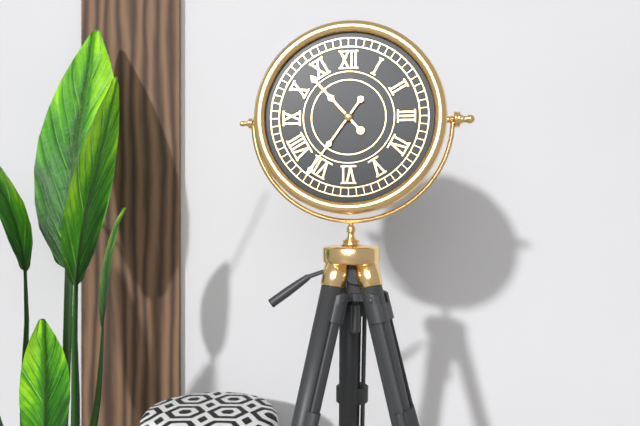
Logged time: 10:36
